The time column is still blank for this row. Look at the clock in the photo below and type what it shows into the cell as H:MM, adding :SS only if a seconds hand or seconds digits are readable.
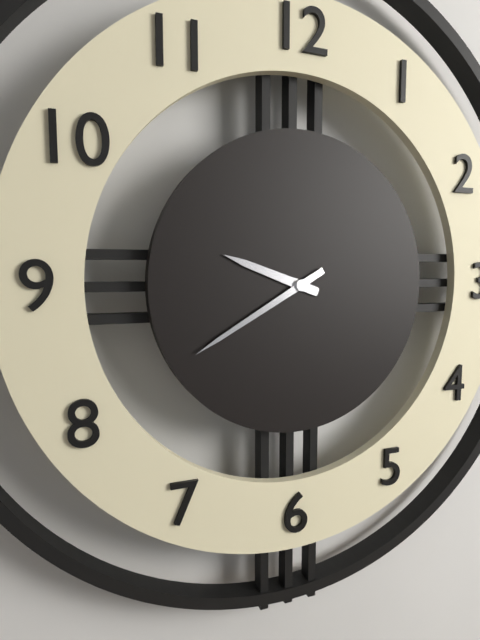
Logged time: 9:40
